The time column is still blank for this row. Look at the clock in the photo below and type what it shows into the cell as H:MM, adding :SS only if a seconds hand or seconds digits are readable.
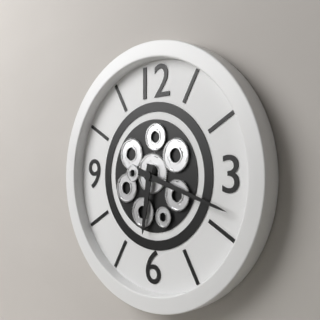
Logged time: 6:18
